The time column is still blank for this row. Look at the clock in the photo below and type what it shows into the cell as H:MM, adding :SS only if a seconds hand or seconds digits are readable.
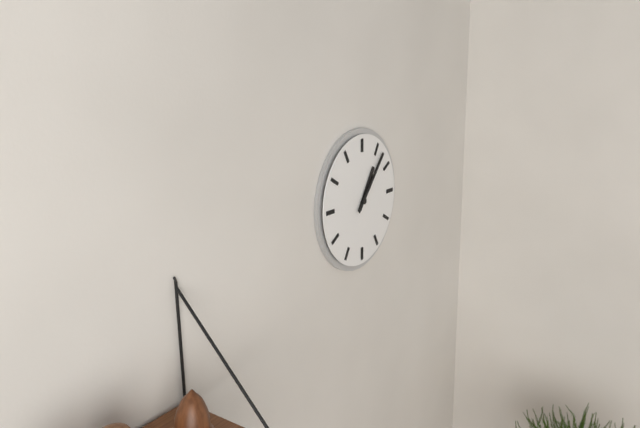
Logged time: 1:07
